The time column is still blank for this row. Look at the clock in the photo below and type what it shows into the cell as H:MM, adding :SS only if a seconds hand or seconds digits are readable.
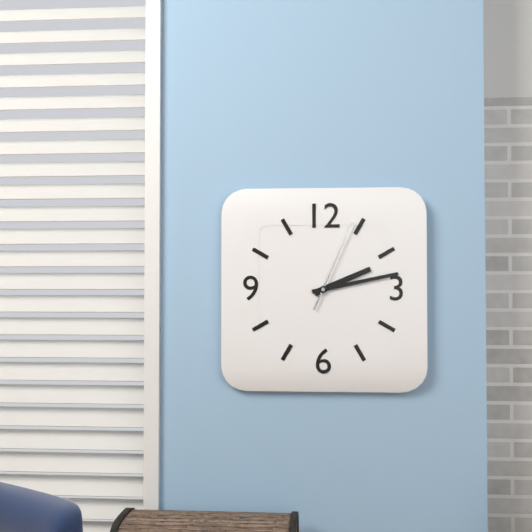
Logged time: 2:13:04
